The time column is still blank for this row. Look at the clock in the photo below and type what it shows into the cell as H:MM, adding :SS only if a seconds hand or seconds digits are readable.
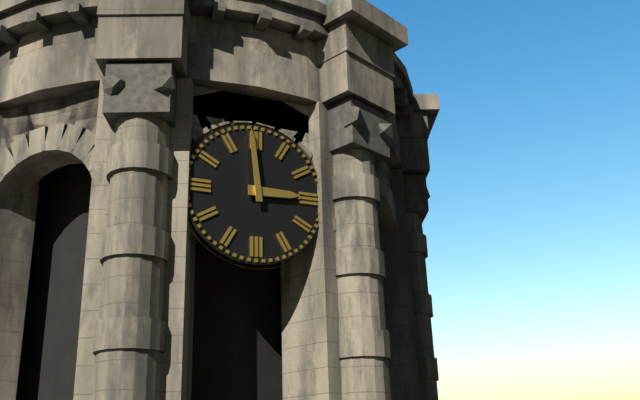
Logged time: 2:59
